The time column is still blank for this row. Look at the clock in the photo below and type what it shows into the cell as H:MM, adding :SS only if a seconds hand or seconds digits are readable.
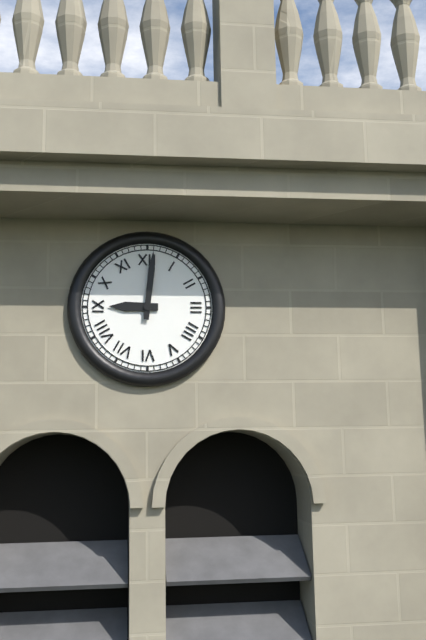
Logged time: 9:01
